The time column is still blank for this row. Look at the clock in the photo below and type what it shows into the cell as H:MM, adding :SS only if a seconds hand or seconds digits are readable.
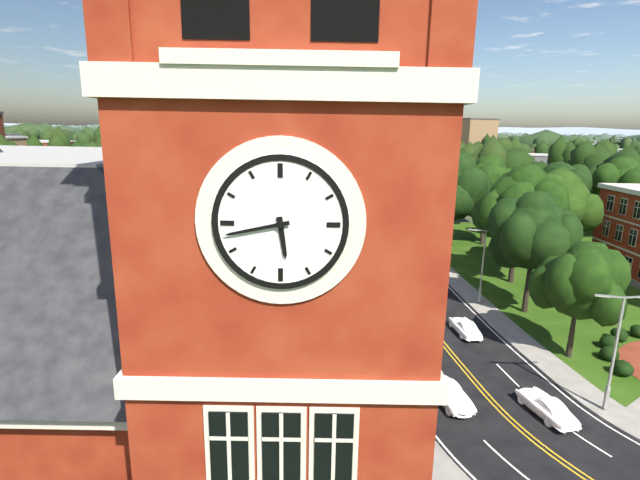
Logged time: 5:43
